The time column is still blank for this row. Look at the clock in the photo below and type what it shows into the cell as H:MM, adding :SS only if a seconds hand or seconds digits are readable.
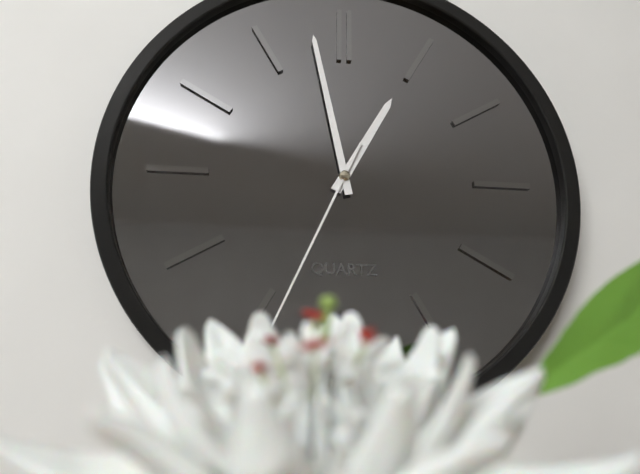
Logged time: 12:58:34
